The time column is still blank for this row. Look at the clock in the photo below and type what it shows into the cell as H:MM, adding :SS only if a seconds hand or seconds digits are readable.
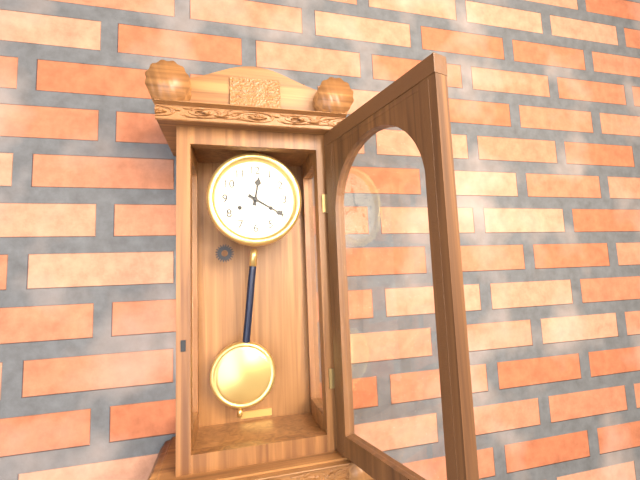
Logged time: 12:20
